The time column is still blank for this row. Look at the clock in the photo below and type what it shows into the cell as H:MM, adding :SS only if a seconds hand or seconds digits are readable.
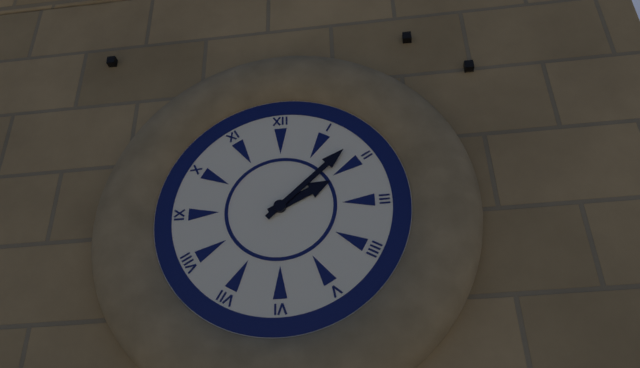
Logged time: 2:08
